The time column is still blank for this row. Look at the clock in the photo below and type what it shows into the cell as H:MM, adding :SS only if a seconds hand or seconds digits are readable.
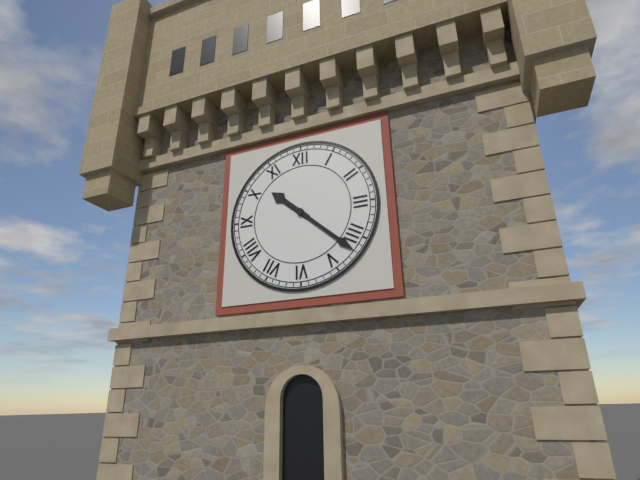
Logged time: 10:22
